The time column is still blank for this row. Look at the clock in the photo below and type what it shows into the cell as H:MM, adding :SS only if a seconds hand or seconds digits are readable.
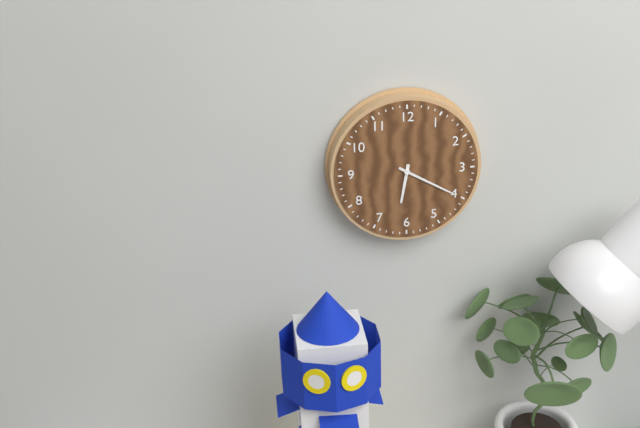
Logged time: 6:20
